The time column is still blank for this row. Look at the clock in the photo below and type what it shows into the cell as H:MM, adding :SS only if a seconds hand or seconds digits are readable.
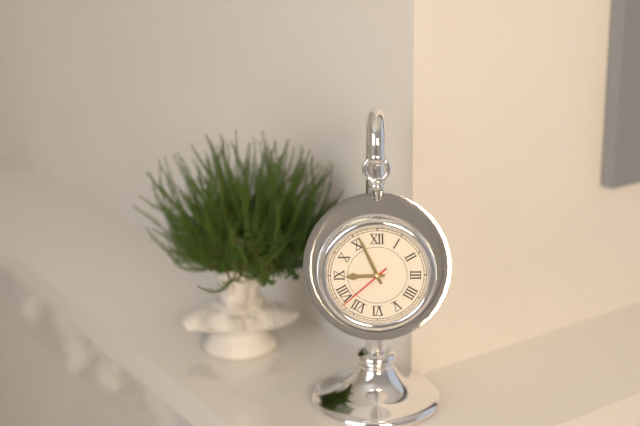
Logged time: 8:56:38
